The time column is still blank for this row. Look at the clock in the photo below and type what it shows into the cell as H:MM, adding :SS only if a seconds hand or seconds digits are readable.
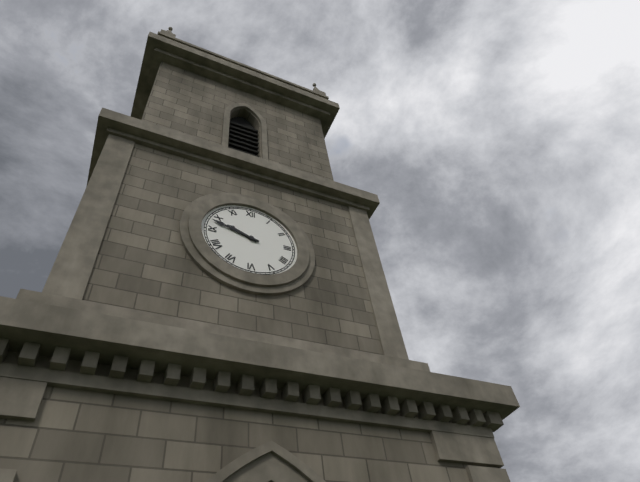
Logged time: 9:48
